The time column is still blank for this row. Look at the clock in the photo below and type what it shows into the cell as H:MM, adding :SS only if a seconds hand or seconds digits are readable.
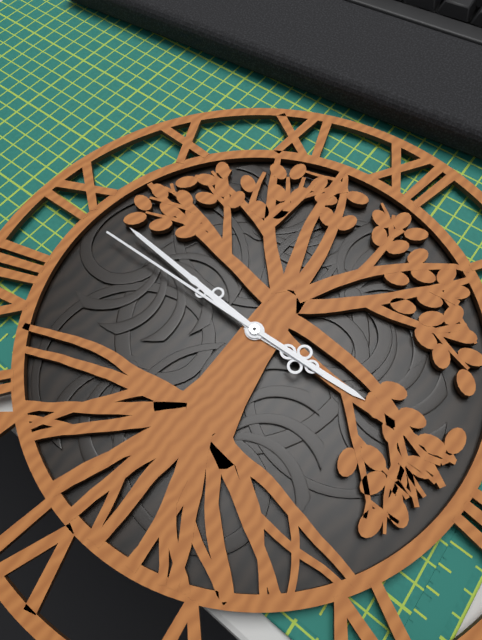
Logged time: 2:45:44
